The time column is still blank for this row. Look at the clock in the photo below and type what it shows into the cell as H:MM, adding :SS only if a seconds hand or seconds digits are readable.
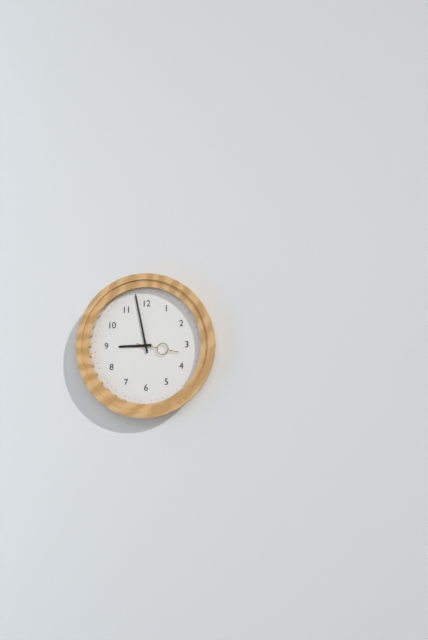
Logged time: 8:58
